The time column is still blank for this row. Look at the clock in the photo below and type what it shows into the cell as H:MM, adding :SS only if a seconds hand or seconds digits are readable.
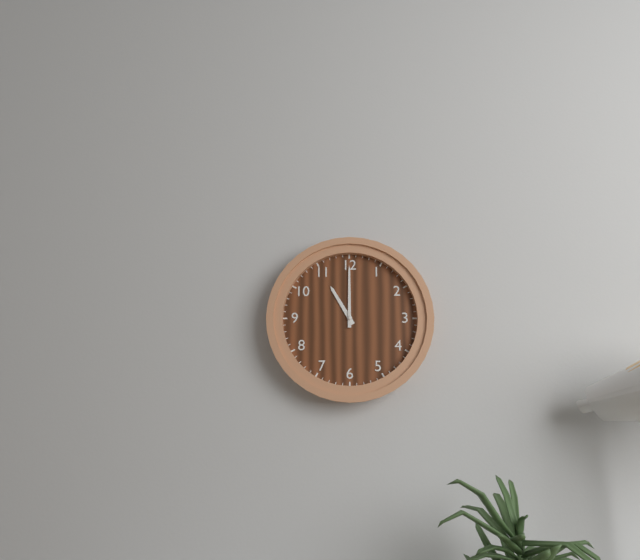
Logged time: 11:00
